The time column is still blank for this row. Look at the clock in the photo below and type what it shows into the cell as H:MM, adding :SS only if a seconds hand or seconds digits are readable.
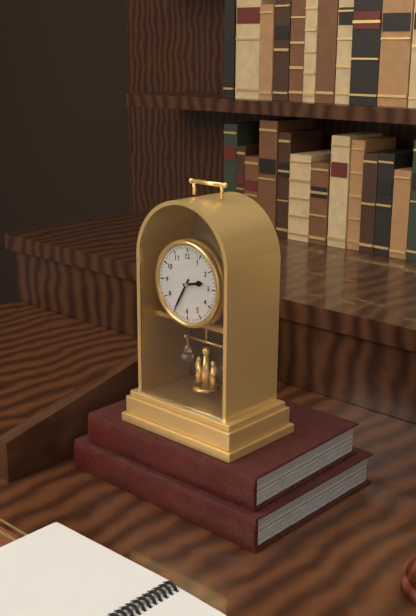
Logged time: 2:35
